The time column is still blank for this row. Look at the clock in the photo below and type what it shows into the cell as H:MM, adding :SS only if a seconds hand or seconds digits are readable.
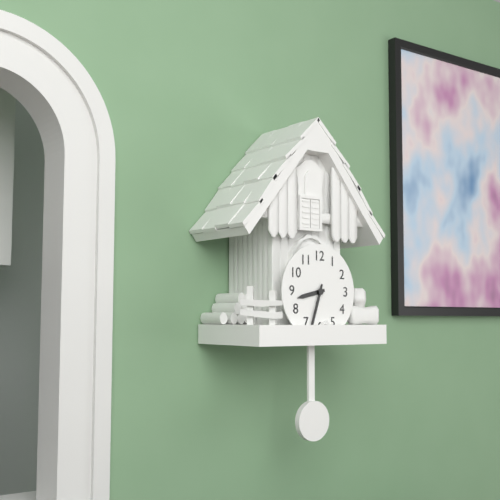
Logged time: 8:33
